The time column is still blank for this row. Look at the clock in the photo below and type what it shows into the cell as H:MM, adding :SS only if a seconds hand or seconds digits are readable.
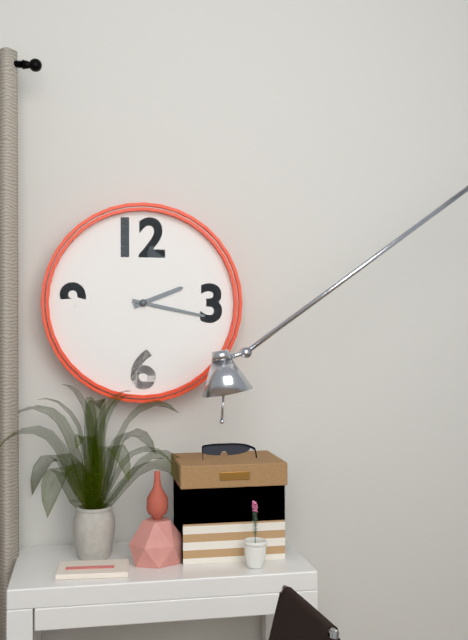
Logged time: 2:17
